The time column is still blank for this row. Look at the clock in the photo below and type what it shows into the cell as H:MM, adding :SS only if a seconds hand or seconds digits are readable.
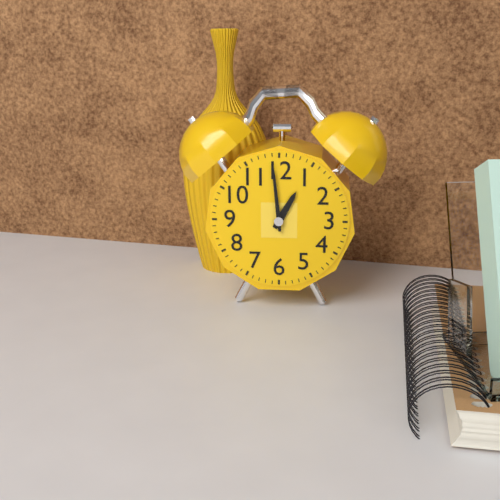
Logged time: 12:59
